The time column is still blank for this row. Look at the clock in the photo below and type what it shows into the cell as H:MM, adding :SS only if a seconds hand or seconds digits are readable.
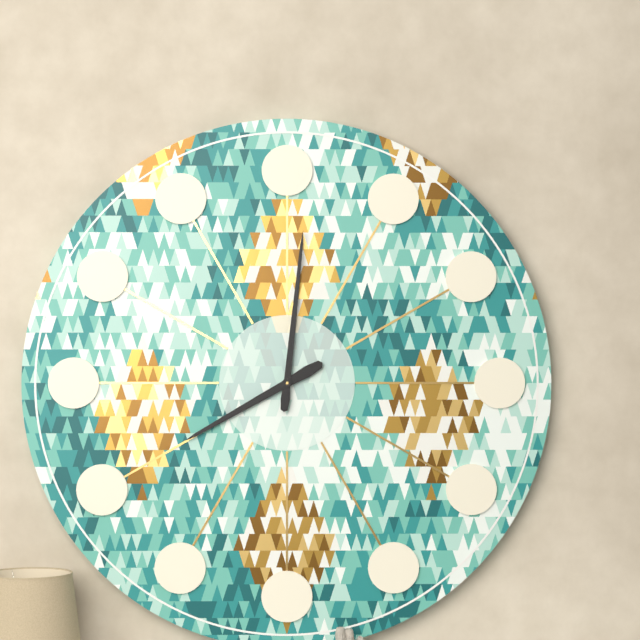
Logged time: 8:01
